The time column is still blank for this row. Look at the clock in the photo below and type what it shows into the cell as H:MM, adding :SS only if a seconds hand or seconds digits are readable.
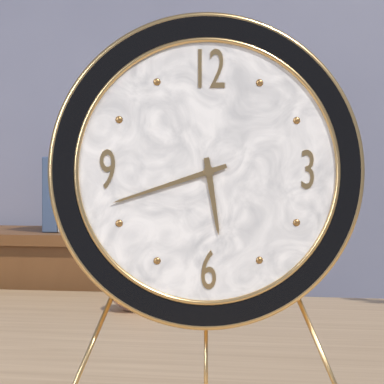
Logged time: 5:42
